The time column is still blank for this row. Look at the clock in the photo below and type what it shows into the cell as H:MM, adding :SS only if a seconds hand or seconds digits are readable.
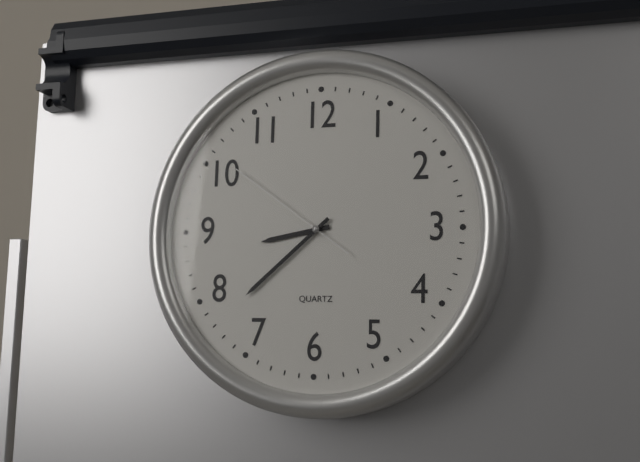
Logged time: 8:38:51
